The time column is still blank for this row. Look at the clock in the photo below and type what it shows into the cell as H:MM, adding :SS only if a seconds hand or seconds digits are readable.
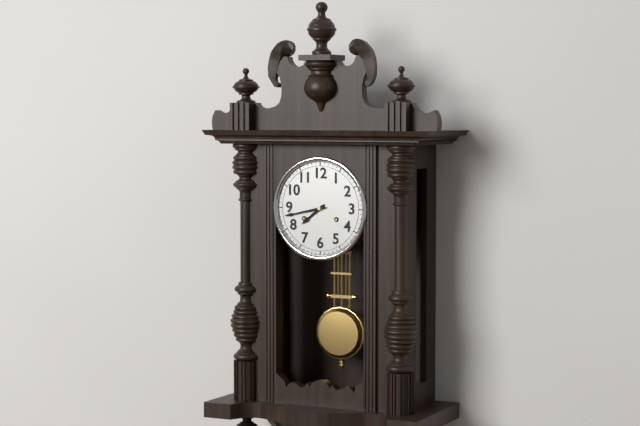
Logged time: 7:43
